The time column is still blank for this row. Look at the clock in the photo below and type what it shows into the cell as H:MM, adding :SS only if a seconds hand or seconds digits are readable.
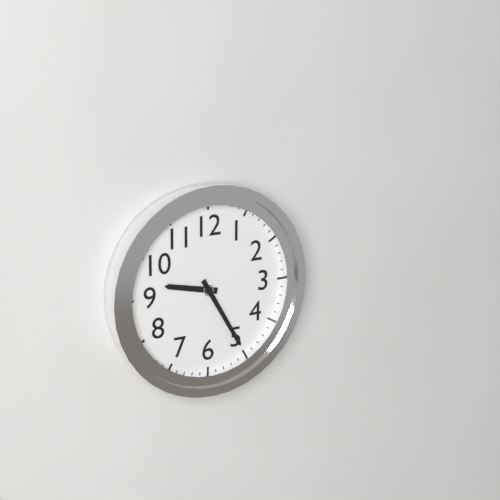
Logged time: 9:25
